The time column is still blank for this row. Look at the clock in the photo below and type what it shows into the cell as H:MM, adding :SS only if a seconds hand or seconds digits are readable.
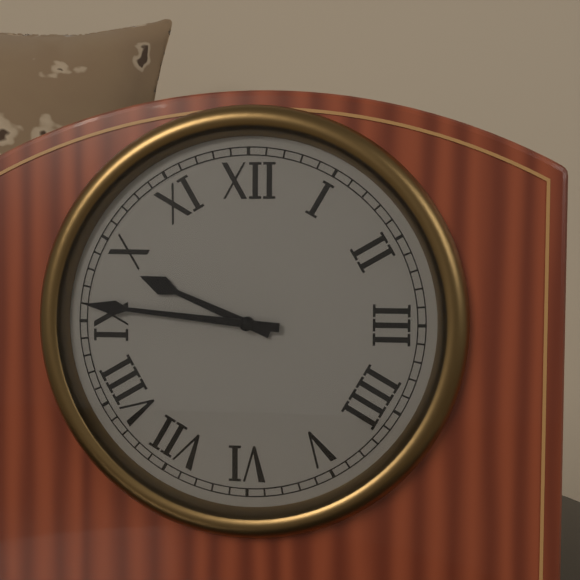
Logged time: 9:46
